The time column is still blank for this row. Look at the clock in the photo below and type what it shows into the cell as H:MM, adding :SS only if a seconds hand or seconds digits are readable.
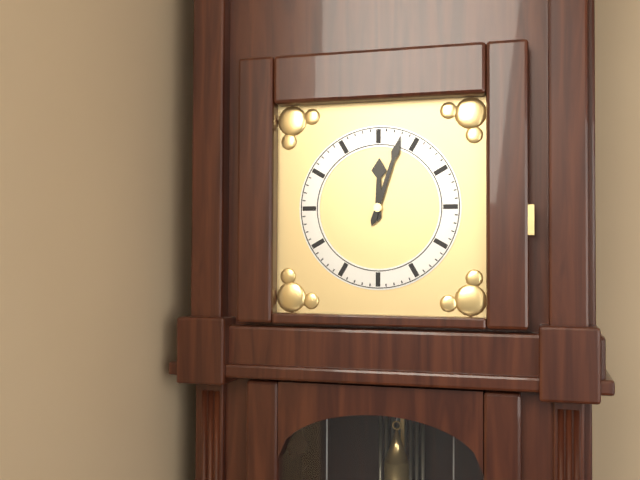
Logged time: 12:03
